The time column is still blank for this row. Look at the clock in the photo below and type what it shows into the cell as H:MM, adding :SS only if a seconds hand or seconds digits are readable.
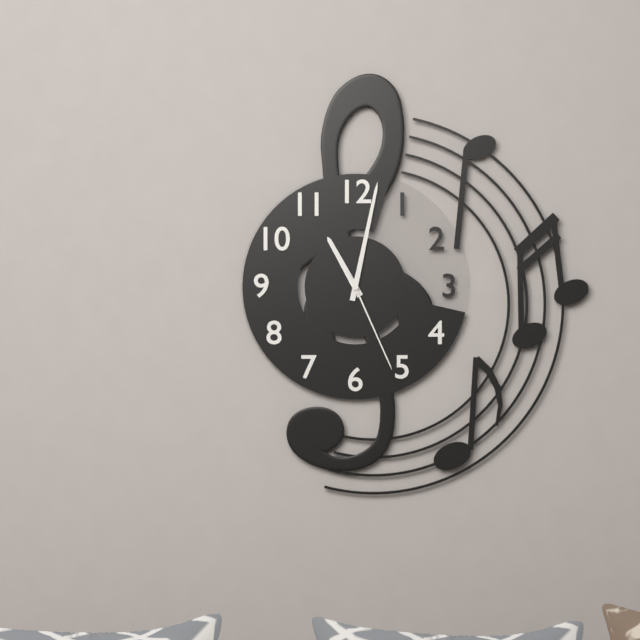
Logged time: 11:02:26
